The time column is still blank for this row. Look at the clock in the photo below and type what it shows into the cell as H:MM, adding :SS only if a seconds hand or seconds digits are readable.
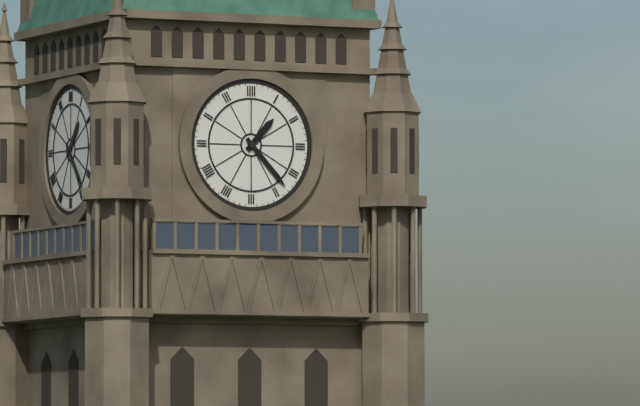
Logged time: 1:23
